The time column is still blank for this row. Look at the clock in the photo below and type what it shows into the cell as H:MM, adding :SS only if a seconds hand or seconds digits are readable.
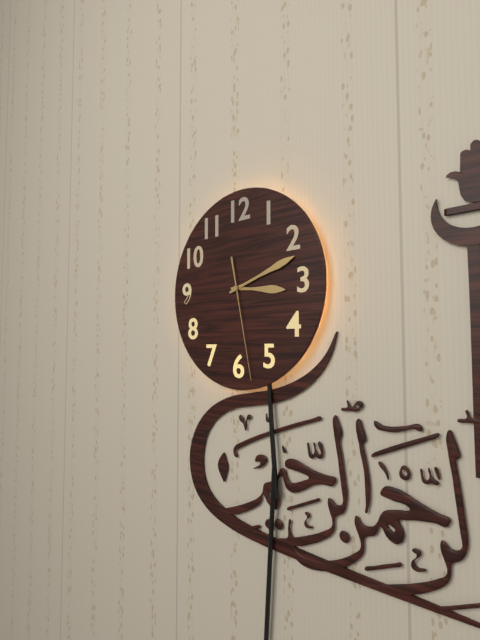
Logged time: 3:12:28
